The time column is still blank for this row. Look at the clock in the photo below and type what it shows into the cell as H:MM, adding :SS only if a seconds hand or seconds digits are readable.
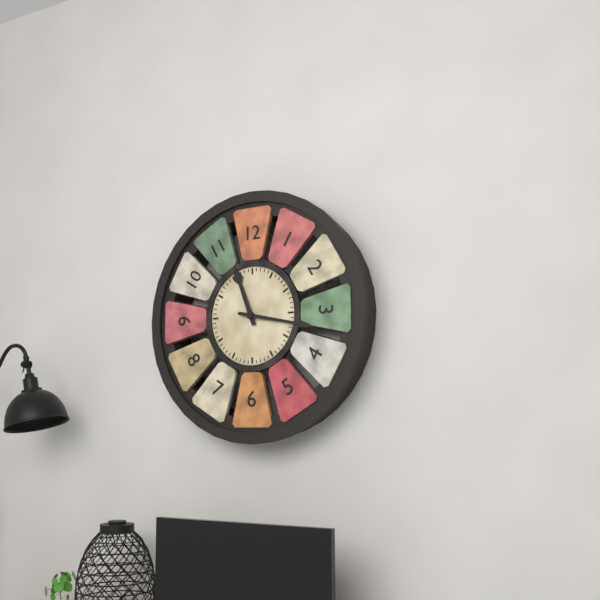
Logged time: 11:17
